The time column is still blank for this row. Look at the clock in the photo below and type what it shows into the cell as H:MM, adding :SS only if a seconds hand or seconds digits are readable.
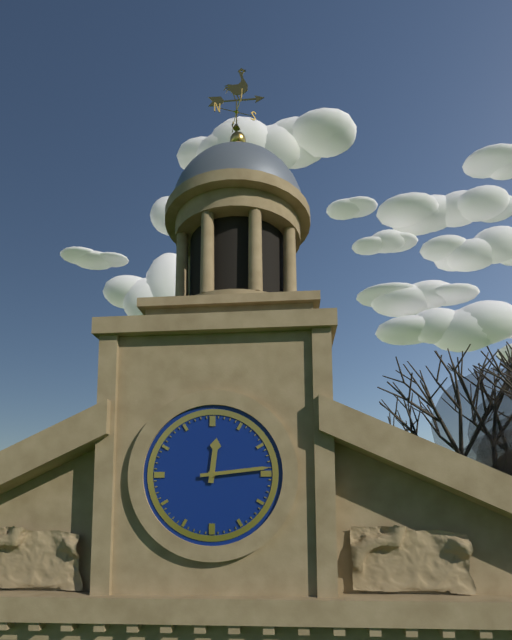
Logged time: 12:14
